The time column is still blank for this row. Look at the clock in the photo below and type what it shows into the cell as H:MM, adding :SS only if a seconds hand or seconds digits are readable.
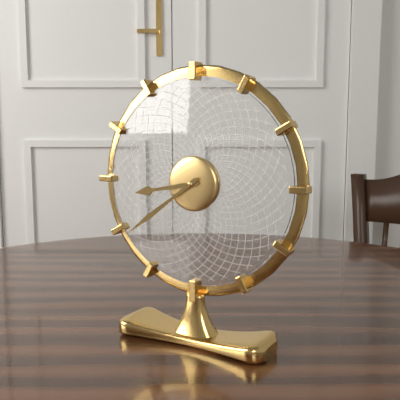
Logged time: 8:39
